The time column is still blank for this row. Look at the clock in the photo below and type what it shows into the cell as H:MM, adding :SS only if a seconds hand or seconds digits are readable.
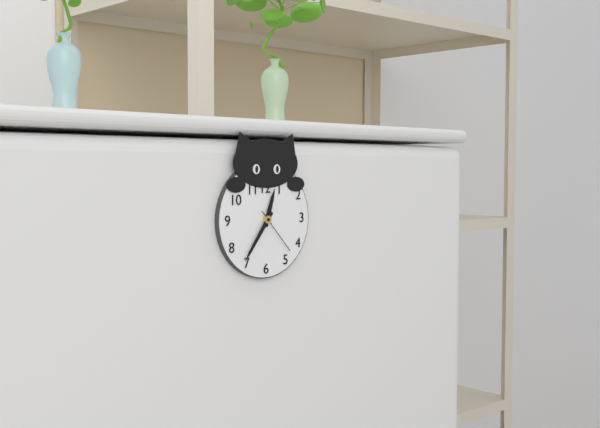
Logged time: 12:36
